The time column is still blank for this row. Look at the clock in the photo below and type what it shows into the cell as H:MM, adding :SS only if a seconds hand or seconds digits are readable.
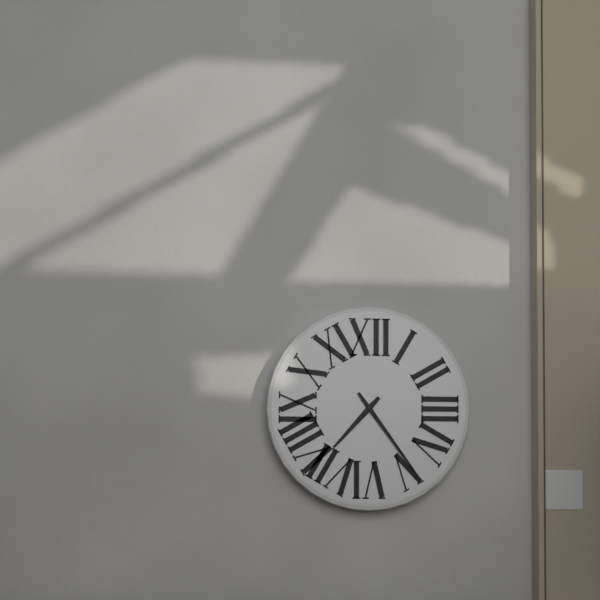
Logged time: 7:24
